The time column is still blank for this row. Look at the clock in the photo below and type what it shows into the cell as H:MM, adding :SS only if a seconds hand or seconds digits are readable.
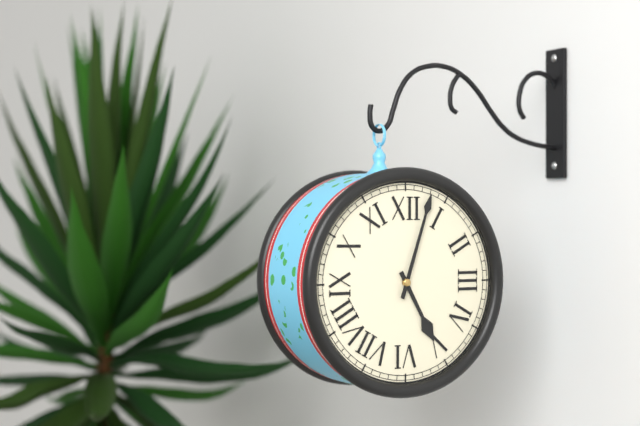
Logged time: 5:03
